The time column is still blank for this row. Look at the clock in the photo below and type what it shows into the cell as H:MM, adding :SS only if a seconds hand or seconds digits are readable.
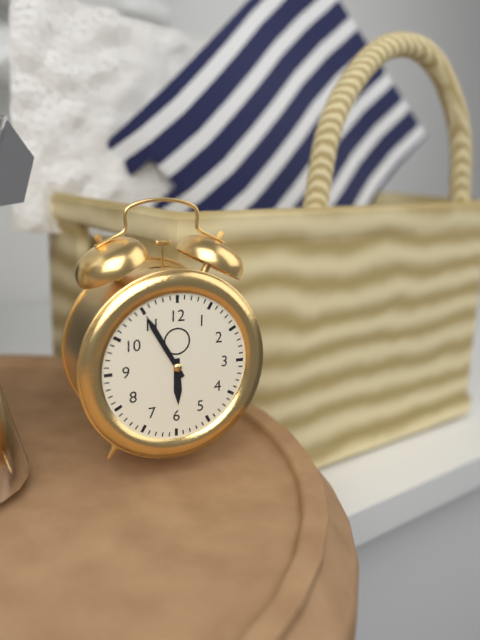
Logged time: 5:55
